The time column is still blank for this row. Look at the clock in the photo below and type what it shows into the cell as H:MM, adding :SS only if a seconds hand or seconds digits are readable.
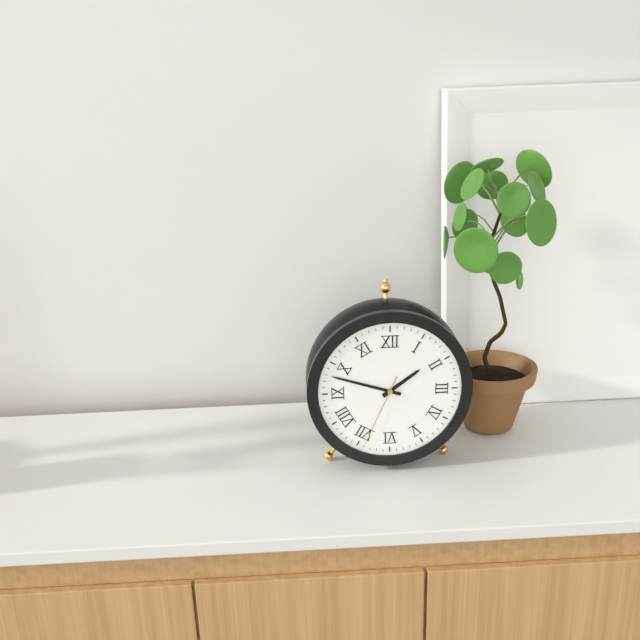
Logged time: 1:48:34
